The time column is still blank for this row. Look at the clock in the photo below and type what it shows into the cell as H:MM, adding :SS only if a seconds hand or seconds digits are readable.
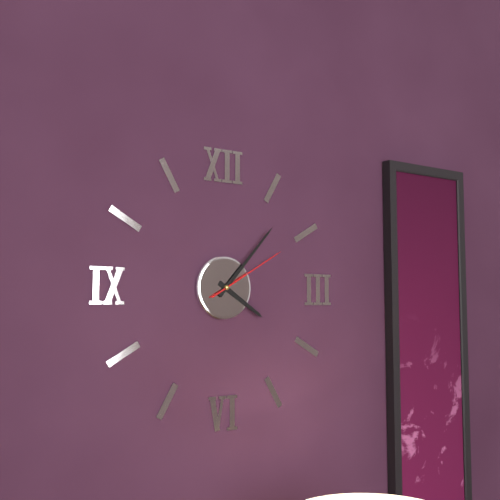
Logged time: 4:07:10
